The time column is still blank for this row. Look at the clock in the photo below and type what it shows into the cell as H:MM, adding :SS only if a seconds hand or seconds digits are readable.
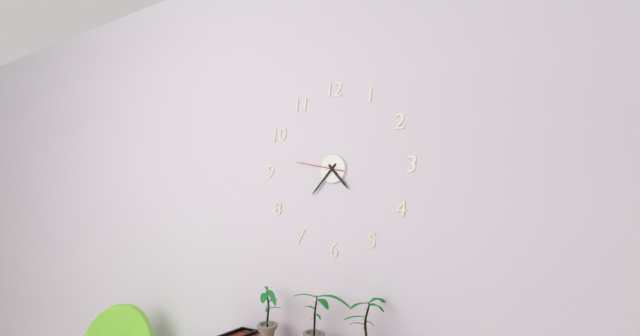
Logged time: 4:37
